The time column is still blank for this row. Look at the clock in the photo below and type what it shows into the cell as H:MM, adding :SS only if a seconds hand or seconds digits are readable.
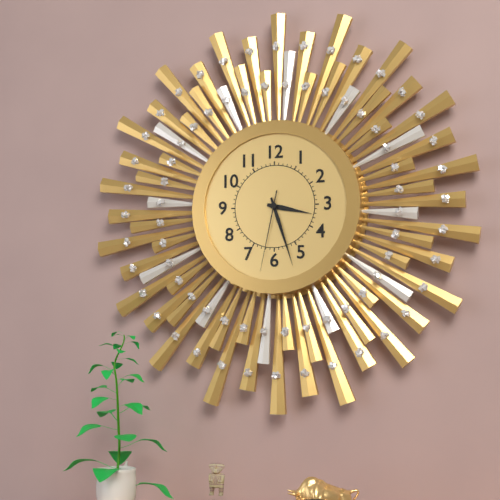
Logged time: 3:27:32
